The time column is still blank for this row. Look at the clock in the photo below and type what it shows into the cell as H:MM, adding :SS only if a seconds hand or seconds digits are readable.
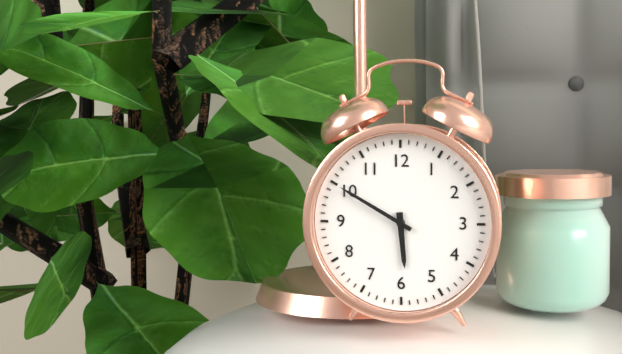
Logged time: 5:50
